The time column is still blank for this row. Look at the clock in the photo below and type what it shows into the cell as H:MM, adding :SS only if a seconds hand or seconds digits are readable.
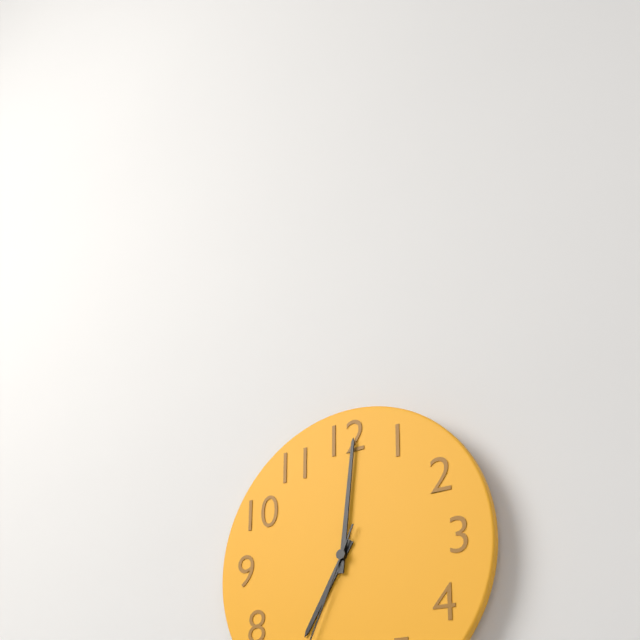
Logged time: 7:01
